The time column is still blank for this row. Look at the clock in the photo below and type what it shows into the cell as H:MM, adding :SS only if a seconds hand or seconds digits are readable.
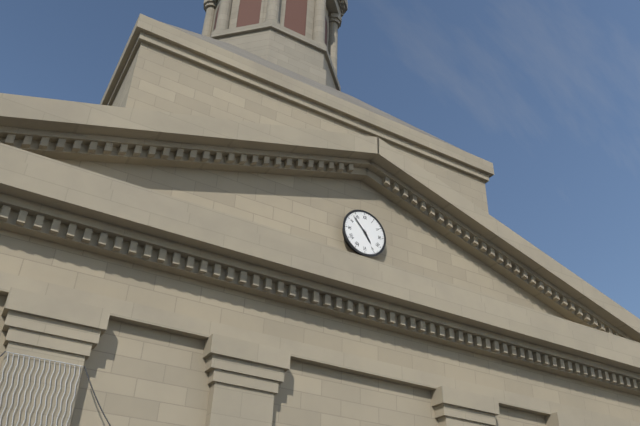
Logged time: 4:53
